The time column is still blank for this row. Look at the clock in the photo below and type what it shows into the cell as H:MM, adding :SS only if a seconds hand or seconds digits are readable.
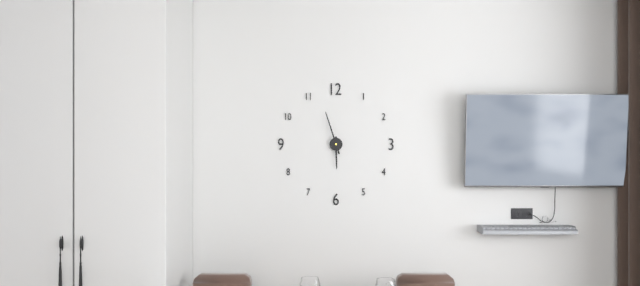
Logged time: 5:57
